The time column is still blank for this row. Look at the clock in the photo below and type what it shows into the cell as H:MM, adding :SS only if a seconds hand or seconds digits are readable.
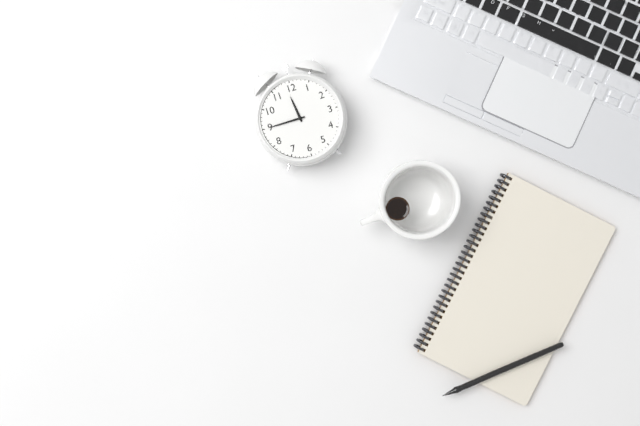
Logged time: 11:45
